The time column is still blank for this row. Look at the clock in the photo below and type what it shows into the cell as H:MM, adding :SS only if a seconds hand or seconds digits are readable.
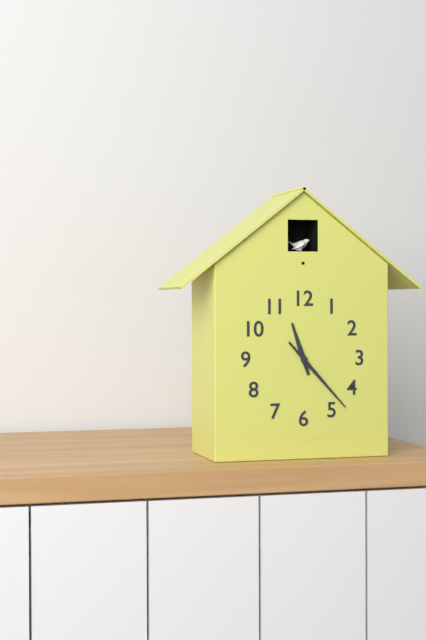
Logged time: 11:23
